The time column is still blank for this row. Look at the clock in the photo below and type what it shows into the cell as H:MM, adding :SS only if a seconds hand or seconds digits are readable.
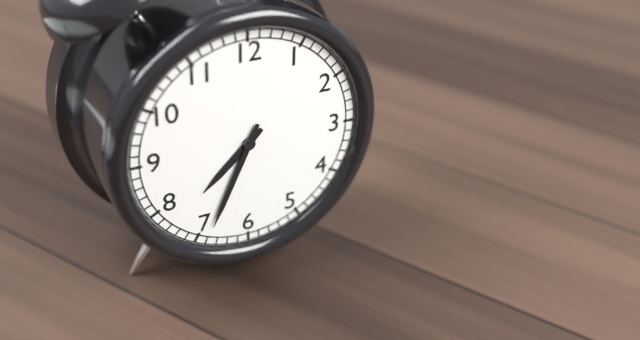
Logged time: 7:34
